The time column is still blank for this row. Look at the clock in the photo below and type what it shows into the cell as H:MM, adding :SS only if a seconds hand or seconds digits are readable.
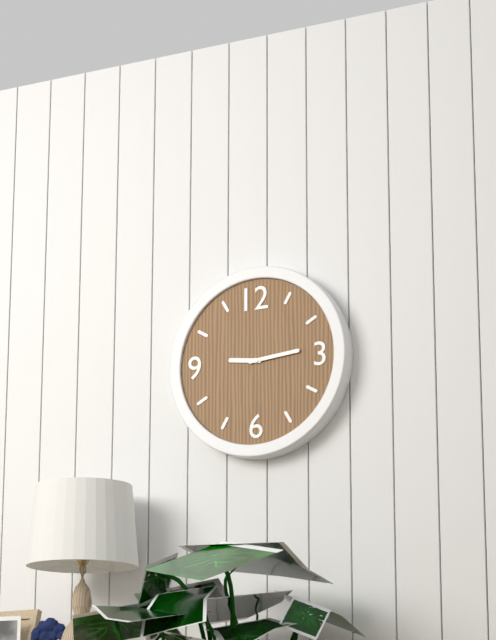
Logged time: 9:14
